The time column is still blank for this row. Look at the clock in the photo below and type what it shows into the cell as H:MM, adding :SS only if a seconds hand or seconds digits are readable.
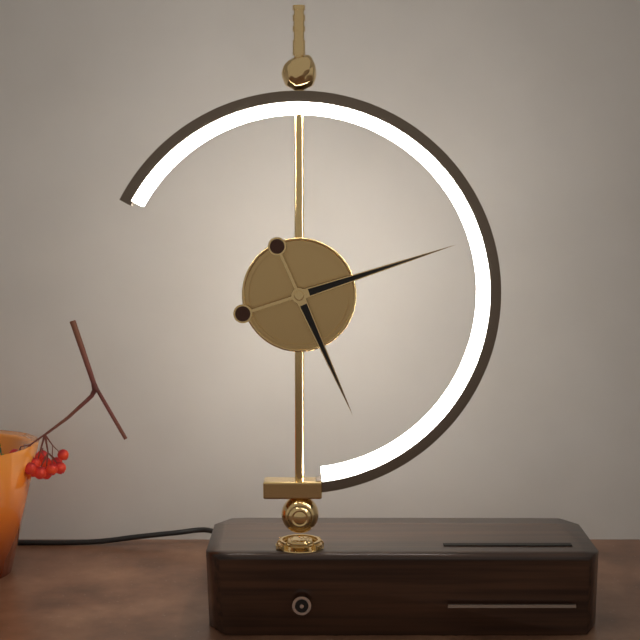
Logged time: 5:12
